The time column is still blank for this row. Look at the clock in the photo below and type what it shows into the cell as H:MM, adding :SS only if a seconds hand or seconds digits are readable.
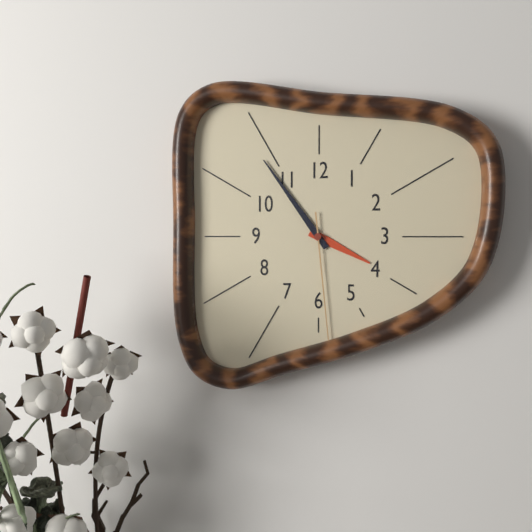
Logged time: 3:54:29
